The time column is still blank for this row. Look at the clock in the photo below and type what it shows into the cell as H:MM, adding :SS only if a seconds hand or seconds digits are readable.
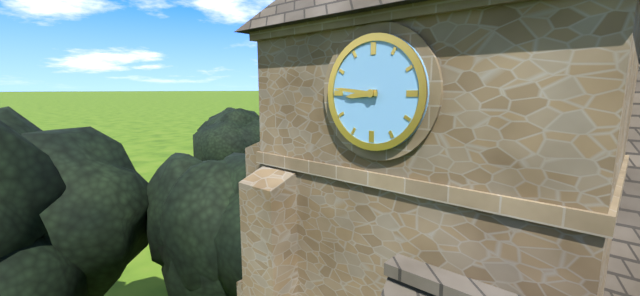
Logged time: 8:46
